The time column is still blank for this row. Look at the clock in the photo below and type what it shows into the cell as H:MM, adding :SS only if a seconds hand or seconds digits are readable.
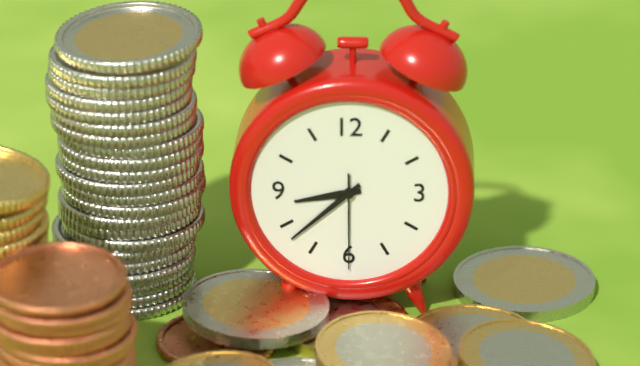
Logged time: 8:38:30
